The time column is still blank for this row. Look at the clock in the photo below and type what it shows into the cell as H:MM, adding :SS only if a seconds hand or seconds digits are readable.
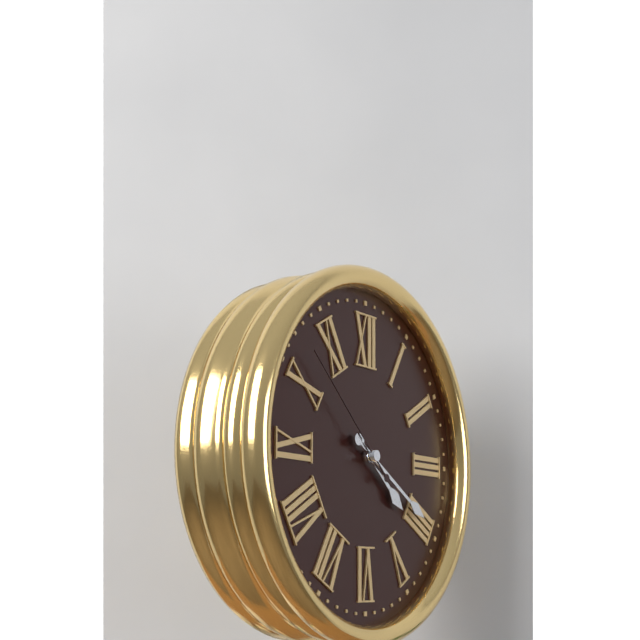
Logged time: 4:20:52
